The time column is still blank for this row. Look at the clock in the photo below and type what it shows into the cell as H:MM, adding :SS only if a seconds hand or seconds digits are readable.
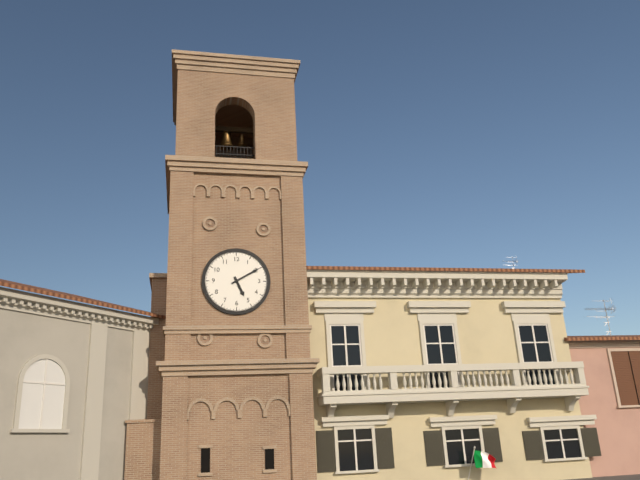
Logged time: 5:10
